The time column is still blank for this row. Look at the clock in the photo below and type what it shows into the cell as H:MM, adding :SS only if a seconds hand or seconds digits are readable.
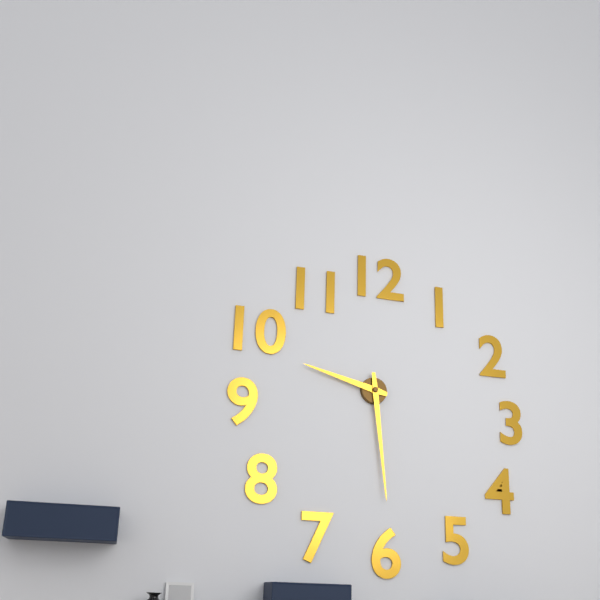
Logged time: 9:29
